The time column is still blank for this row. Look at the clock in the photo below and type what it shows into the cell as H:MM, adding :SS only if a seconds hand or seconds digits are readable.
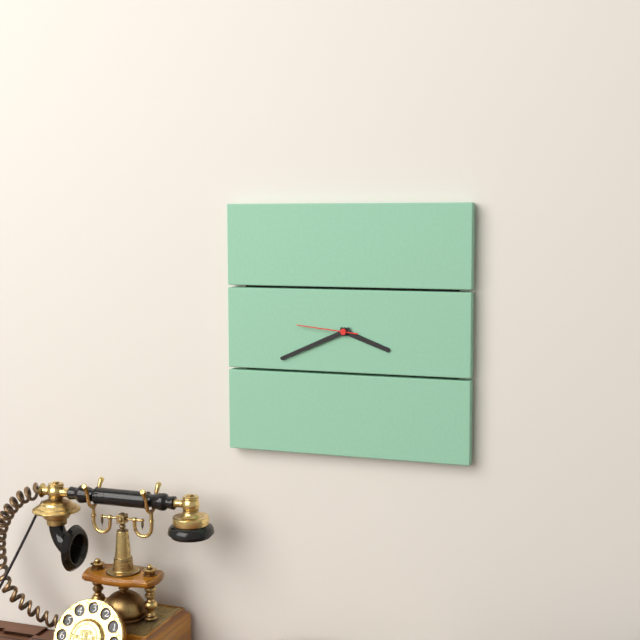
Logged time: 3:41:46
